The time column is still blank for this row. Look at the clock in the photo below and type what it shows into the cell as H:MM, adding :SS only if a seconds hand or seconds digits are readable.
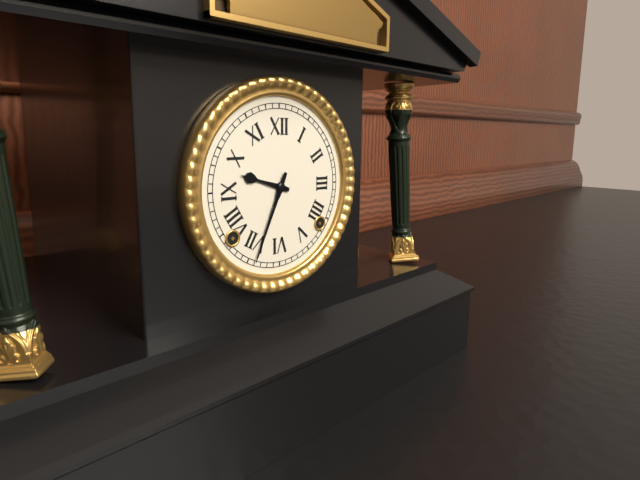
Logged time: 9:34
